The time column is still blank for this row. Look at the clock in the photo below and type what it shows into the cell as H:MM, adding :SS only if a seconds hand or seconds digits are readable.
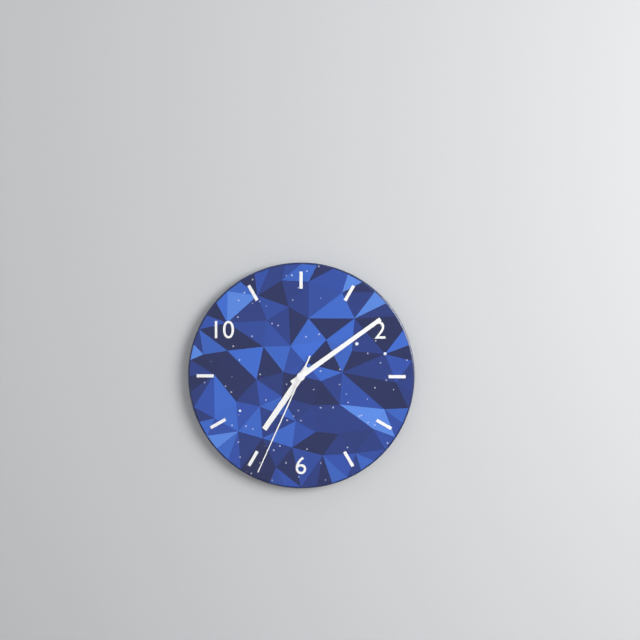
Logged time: 7:09:34
